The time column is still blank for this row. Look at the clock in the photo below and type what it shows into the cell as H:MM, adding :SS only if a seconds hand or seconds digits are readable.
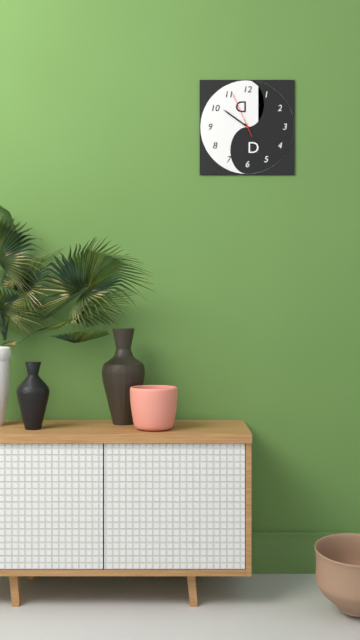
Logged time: 4:51
